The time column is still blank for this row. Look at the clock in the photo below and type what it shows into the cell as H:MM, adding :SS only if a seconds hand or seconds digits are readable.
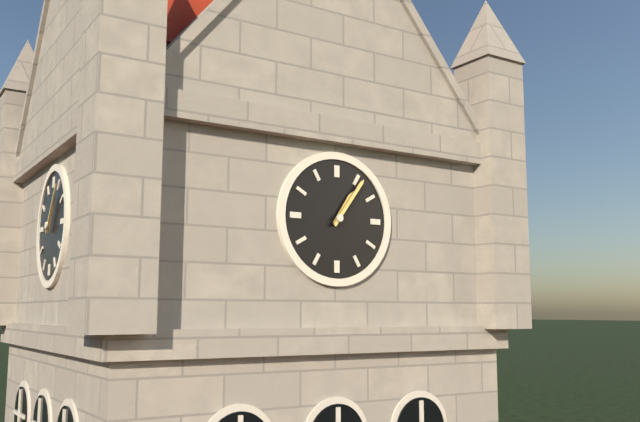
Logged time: 1:06
